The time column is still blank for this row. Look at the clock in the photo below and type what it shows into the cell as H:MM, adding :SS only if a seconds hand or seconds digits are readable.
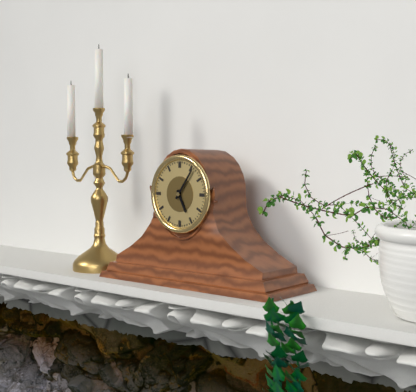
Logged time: 5:06
